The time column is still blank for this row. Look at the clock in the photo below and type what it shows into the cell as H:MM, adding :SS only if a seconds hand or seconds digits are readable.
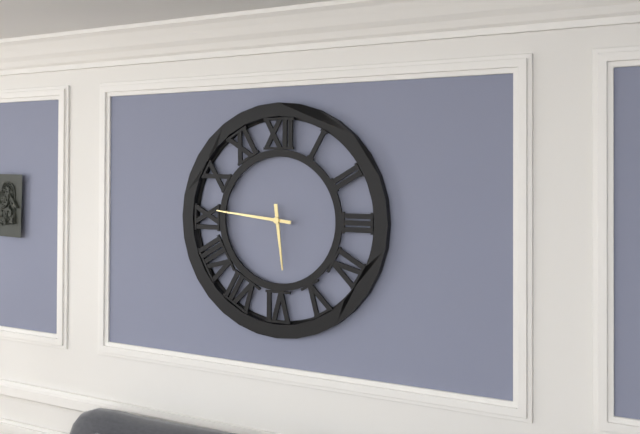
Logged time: 5:46
